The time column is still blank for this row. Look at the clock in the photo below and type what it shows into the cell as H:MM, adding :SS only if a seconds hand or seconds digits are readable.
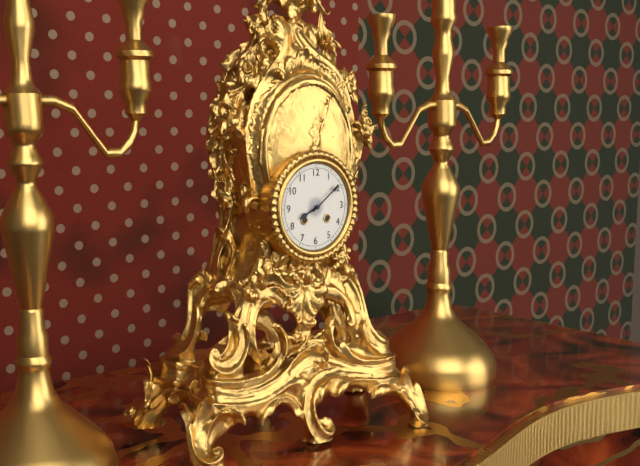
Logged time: 8:09
